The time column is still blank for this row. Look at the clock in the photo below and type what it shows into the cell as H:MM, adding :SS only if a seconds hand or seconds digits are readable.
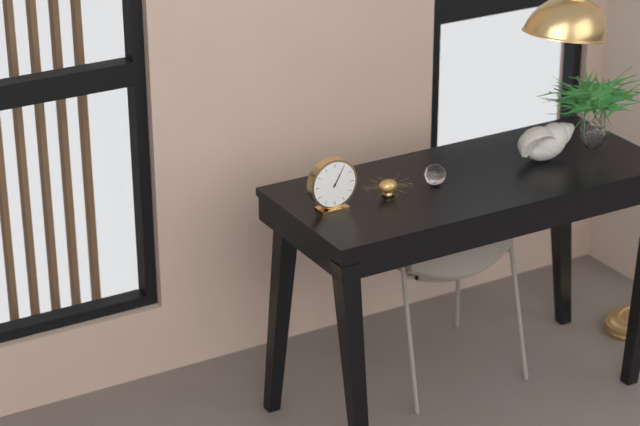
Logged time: 1:05
